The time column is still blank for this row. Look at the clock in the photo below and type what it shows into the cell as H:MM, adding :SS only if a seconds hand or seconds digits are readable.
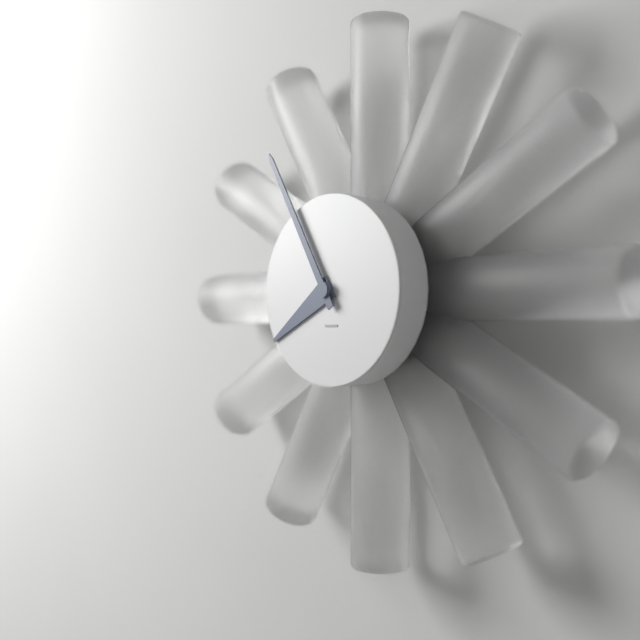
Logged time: 7:55
